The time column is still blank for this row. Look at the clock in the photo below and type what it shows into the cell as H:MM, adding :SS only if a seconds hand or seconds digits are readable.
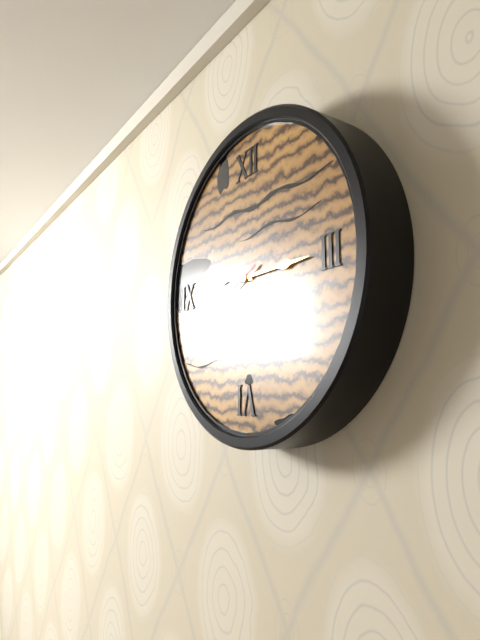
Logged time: 9:15:41
